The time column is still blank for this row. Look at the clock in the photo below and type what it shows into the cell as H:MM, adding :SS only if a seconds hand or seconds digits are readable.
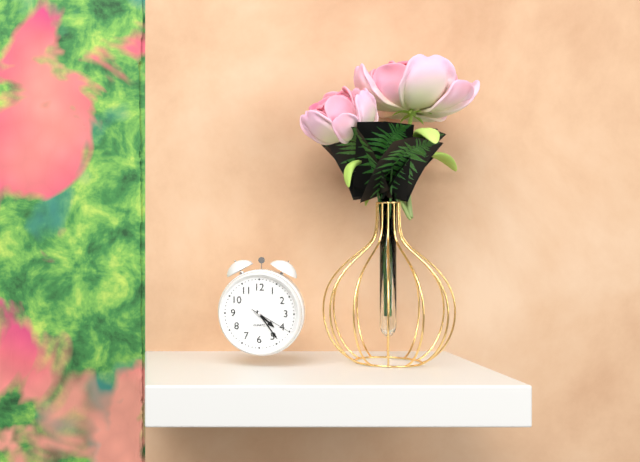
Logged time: 4:24
